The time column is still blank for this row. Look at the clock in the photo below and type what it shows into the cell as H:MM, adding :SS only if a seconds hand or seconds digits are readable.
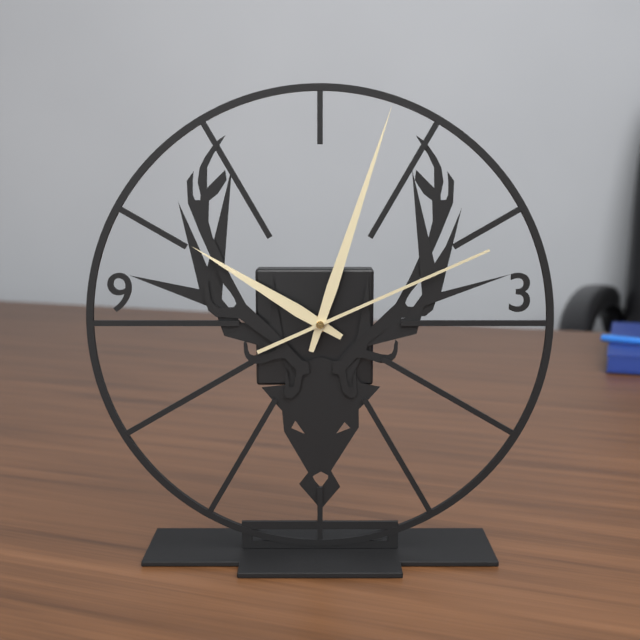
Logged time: 10:03:11
